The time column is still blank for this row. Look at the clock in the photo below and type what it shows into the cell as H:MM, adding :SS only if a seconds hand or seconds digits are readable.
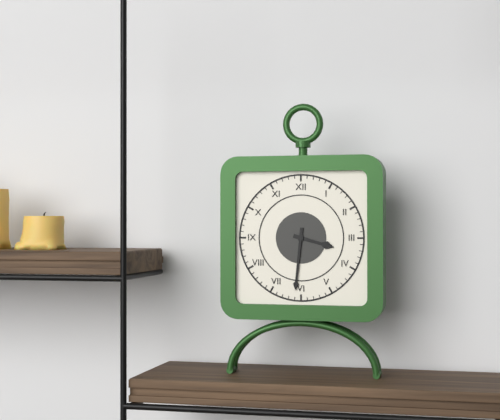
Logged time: 3:31
